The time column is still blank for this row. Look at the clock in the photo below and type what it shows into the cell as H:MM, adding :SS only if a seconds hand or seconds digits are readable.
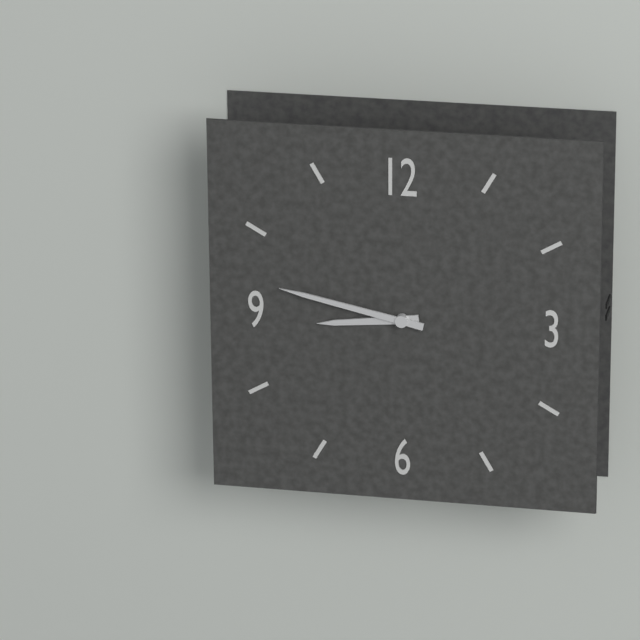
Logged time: 8:47
